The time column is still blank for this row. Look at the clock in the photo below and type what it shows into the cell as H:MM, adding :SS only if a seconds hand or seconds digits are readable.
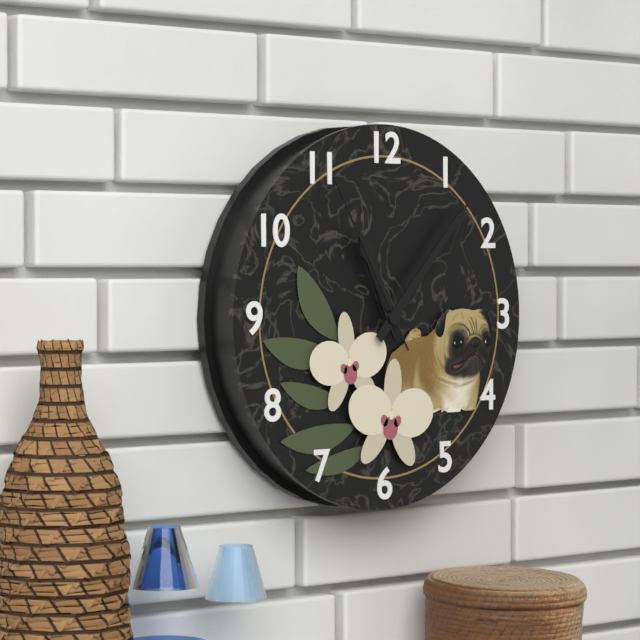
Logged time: 11:07:55
